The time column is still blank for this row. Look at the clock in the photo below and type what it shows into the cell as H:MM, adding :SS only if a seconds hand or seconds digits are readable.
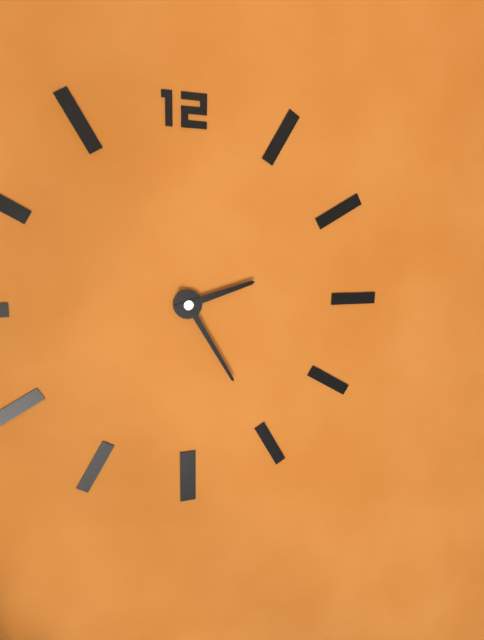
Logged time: 2:25
